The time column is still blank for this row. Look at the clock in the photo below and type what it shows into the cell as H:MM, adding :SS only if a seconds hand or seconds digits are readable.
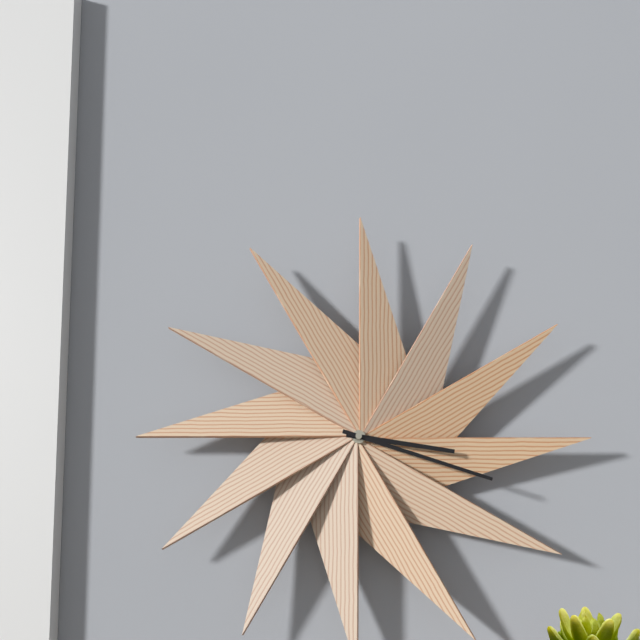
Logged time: 3:18
